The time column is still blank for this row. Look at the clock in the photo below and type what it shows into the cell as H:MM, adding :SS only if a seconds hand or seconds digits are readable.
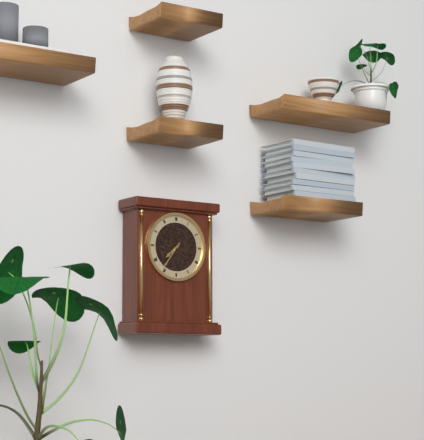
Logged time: 7:36
